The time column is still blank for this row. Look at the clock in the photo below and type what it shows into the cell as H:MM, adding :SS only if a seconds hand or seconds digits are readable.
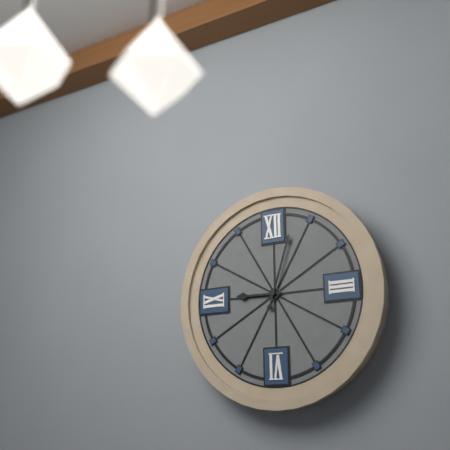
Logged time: 9:03
